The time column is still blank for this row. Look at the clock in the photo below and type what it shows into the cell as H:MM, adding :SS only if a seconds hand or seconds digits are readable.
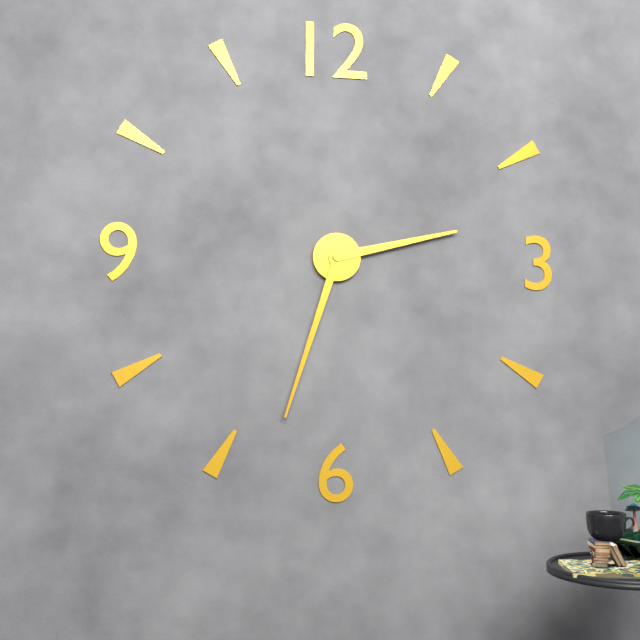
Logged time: 2:33
